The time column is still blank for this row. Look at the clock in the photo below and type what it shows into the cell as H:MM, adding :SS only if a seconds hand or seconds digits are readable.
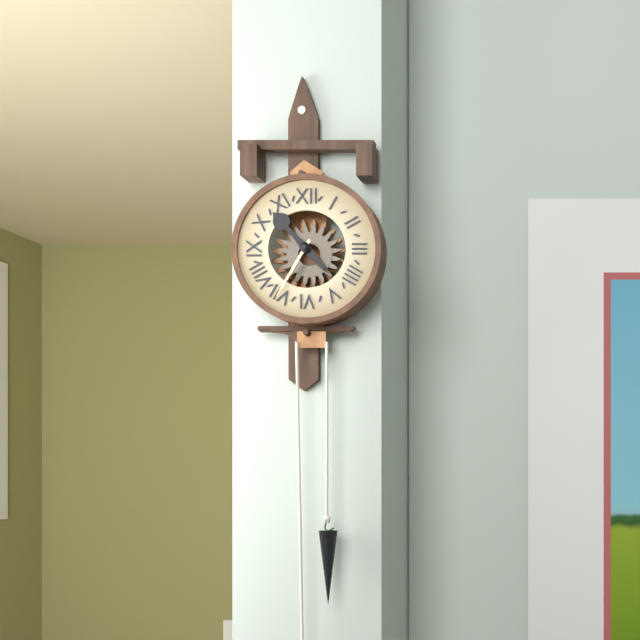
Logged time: 10:35
